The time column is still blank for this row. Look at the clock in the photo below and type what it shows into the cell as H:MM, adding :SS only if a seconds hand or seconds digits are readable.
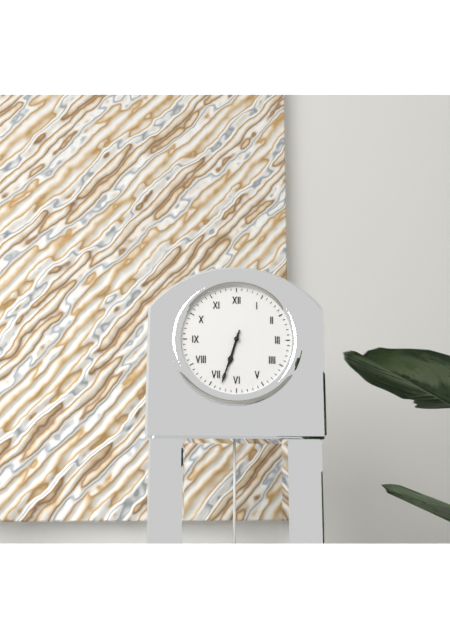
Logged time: 6:33
